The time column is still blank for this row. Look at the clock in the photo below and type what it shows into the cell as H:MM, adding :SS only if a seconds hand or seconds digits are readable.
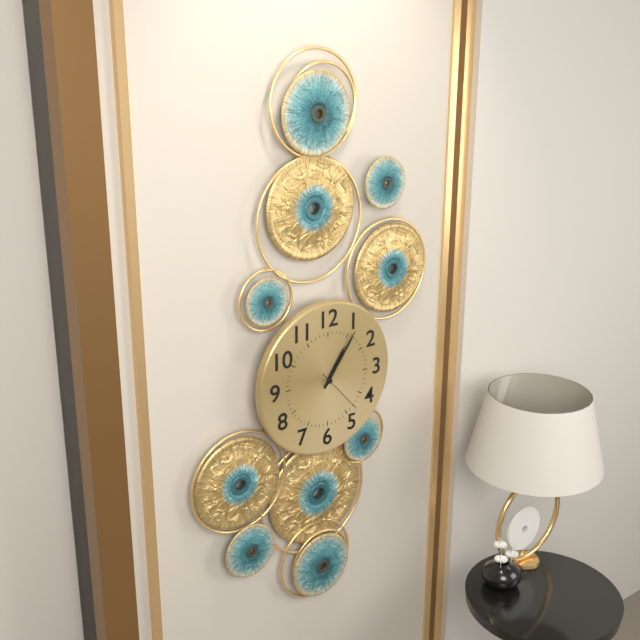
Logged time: 1:06:23
